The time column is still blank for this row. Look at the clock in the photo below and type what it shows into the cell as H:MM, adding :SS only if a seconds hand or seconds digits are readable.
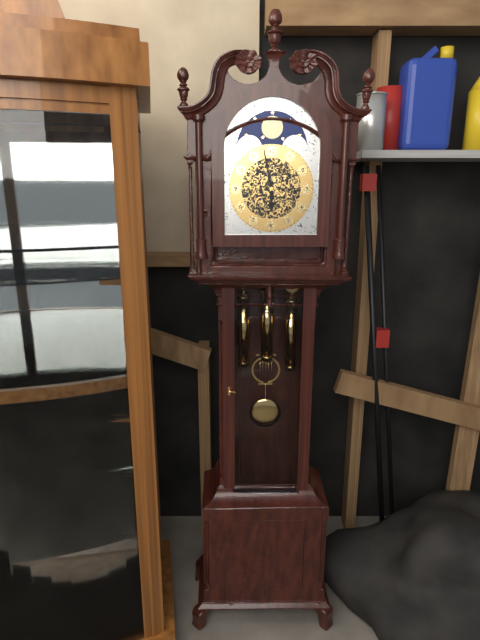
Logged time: 5:58
